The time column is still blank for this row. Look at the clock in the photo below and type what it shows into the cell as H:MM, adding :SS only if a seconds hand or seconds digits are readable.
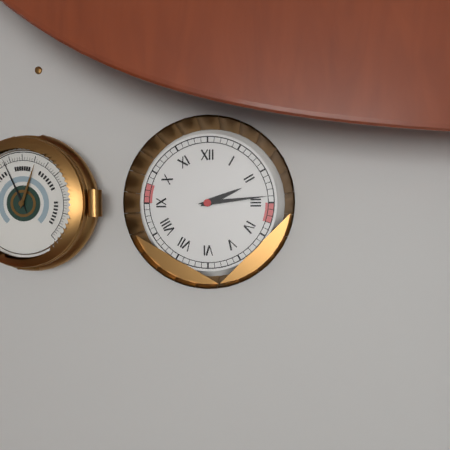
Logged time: 2:14
